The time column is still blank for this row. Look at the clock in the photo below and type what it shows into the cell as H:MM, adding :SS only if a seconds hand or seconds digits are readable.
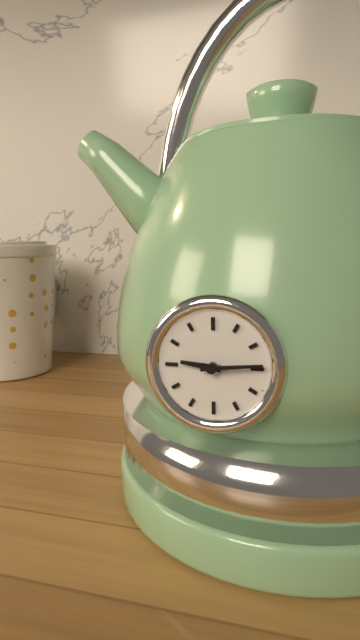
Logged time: 9:14
